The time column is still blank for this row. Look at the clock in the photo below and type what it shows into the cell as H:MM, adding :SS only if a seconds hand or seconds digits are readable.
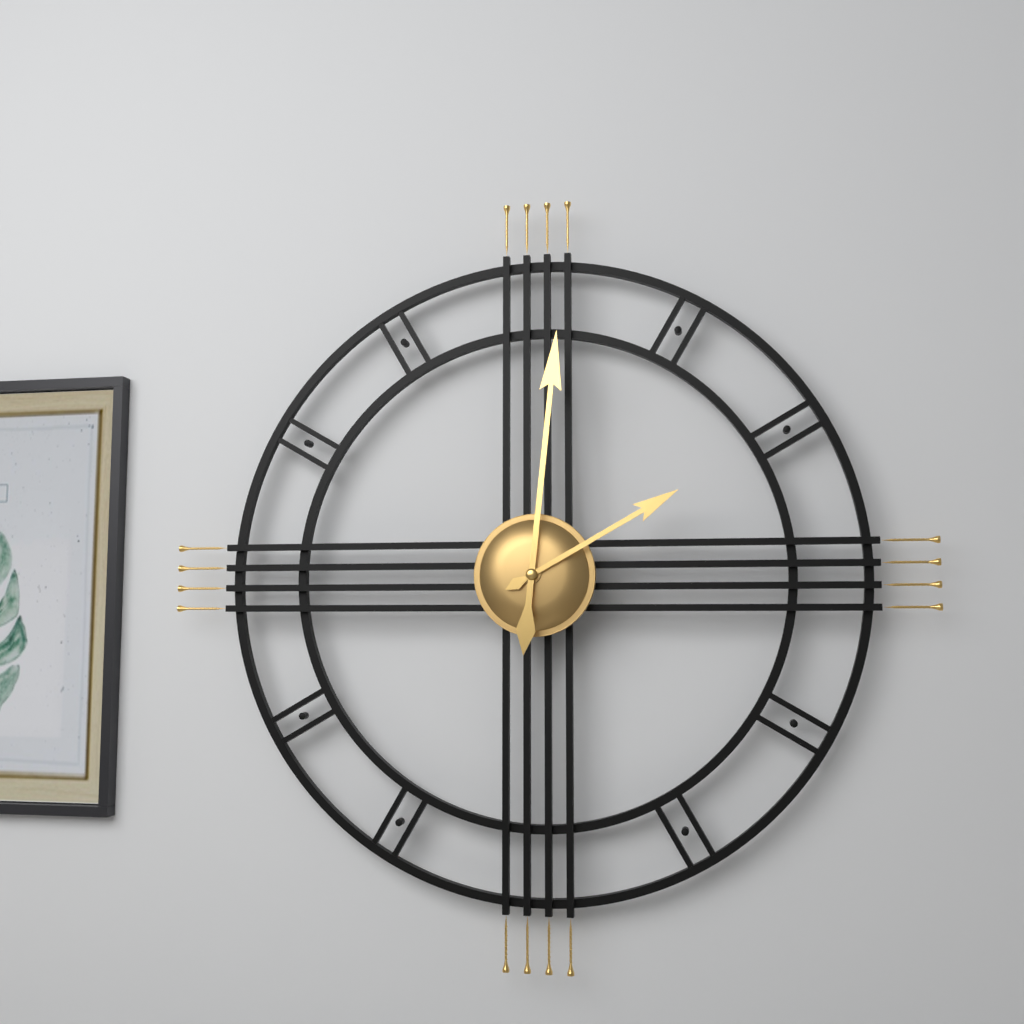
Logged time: 2:01
